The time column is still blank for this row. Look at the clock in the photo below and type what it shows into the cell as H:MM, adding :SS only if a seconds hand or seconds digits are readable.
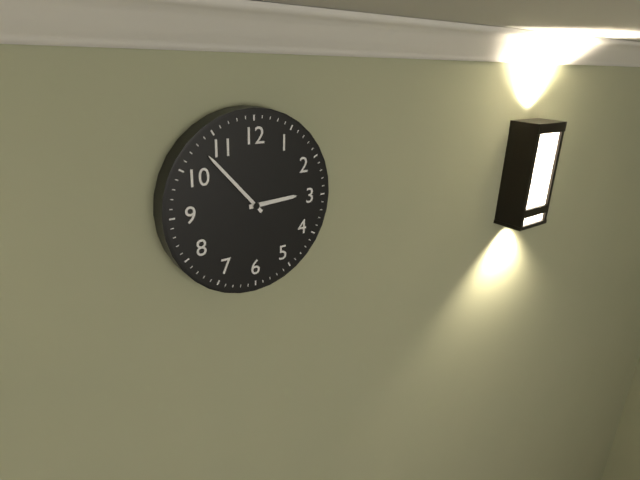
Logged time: 2:53
